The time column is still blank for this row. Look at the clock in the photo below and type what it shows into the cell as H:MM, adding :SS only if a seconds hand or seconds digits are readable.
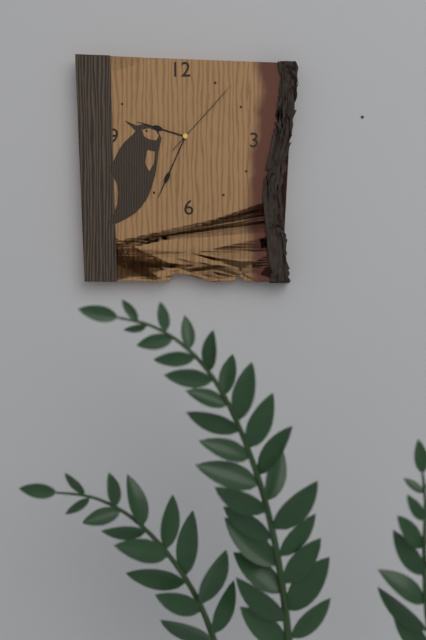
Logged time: 9:34:07
